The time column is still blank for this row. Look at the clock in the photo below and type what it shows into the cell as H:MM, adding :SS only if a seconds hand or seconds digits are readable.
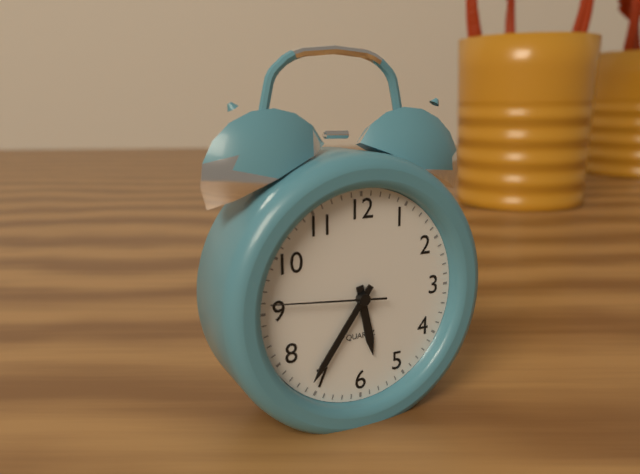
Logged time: 5:36:46
